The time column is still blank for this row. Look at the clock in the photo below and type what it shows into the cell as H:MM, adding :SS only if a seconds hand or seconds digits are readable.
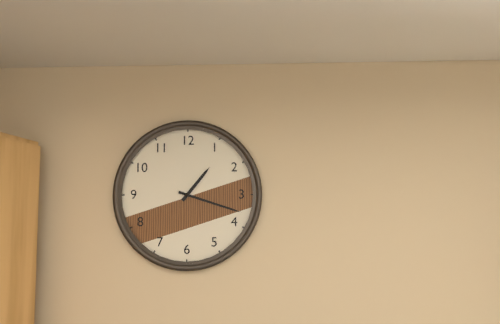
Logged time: 1:18
